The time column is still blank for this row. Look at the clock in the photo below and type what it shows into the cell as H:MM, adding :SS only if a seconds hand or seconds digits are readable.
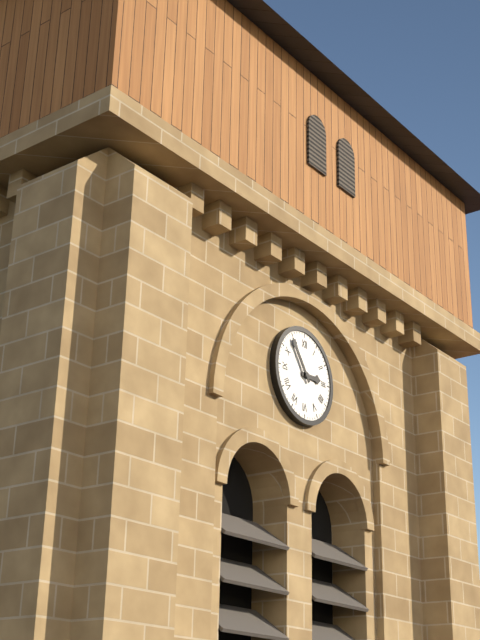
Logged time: 2:54
